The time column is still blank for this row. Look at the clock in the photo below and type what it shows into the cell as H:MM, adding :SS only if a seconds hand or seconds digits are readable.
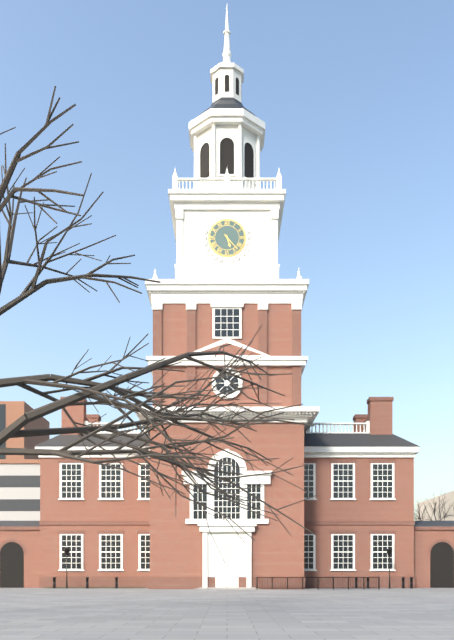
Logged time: 5:23
